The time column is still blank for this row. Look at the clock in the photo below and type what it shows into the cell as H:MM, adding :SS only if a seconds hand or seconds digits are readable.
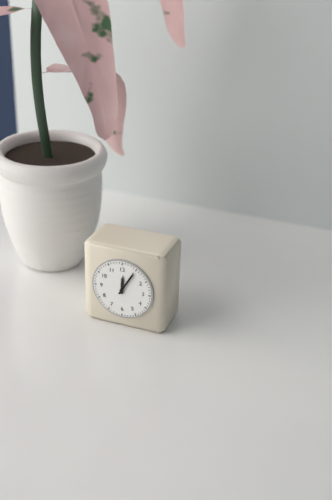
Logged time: 12:05
